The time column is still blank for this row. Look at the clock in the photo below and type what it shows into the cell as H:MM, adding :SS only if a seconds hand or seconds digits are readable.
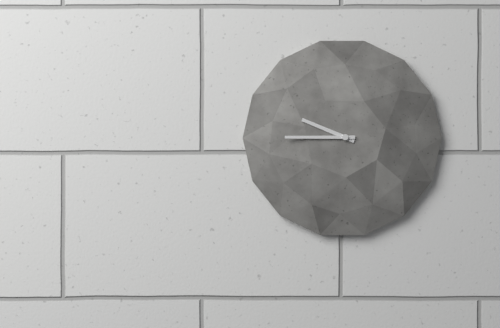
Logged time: 9:45
